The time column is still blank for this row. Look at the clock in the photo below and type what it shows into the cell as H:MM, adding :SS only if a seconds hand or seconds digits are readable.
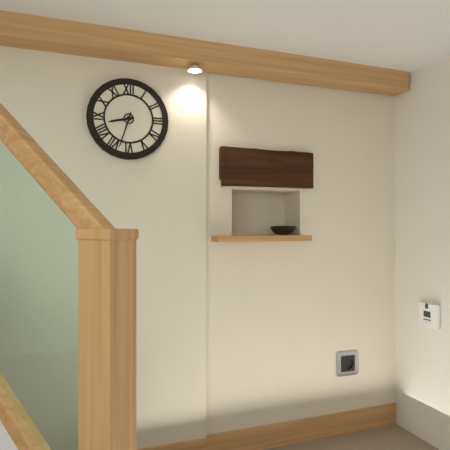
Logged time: 8:33
